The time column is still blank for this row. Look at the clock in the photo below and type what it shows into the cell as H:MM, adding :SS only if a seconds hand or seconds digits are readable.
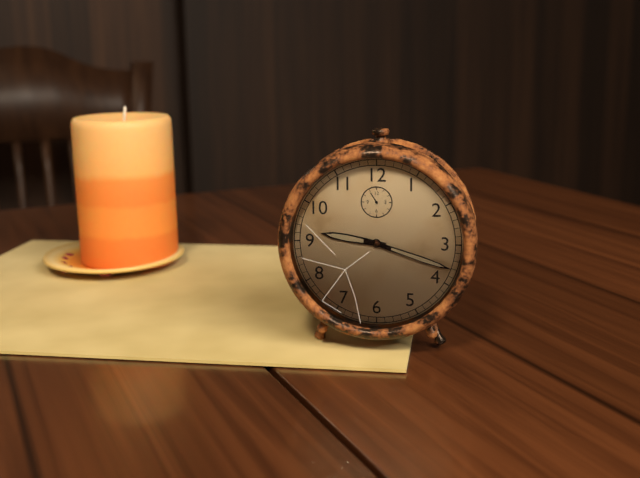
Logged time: 9:18
